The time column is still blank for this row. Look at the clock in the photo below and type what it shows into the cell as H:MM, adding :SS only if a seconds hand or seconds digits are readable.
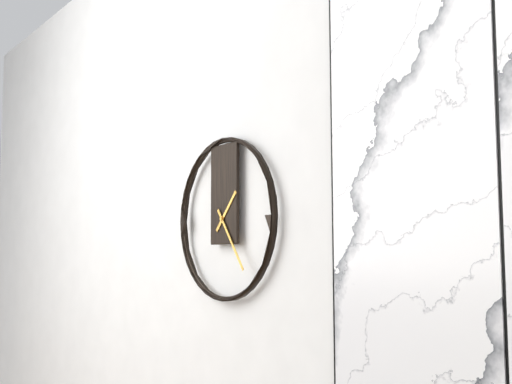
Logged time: 1:24
